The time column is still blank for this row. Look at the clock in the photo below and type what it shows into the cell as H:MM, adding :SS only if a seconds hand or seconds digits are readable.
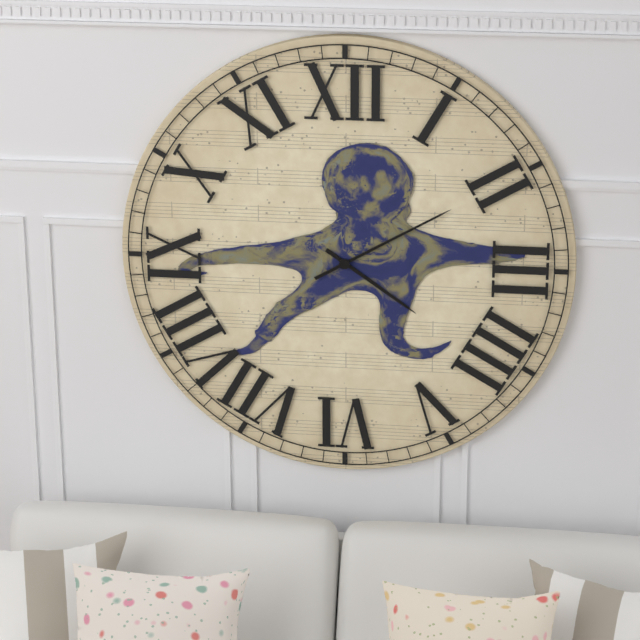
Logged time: 4:10
